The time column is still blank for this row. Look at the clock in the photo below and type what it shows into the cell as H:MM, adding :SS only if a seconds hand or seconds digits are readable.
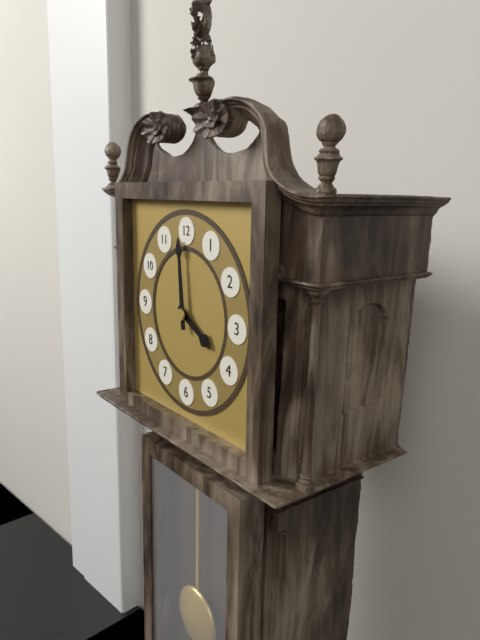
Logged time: 3:59
